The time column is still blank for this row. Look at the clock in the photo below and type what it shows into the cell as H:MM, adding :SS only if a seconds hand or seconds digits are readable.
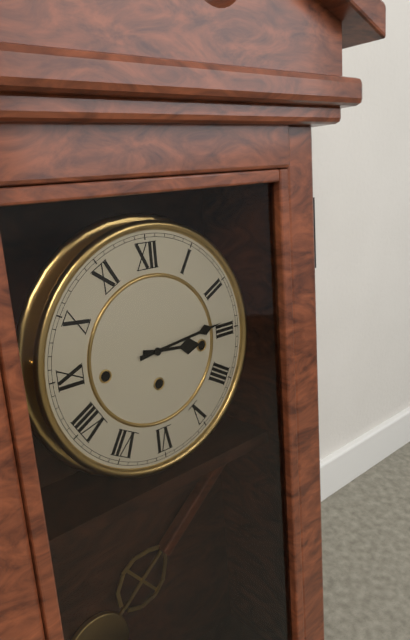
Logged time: 3:14
